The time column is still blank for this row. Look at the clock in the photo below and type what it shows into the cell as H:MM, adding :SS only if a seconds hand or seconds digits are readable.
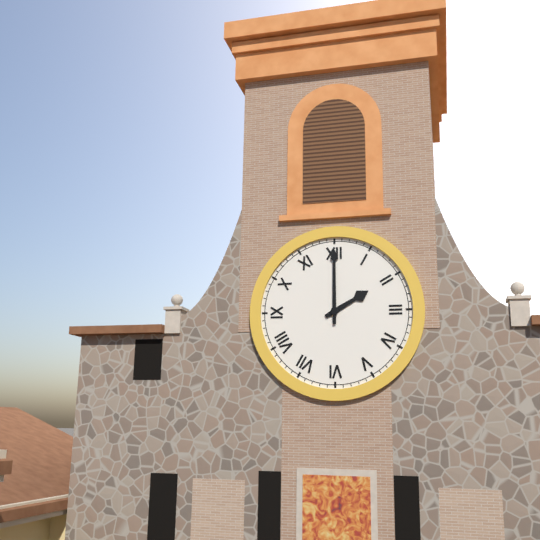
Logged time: 2:00
